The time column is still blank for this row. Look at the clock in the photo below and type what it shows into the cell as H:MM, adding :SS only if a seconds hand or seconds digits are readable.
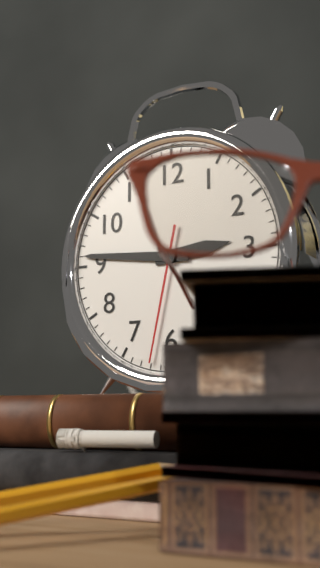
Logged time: 2:46:32
